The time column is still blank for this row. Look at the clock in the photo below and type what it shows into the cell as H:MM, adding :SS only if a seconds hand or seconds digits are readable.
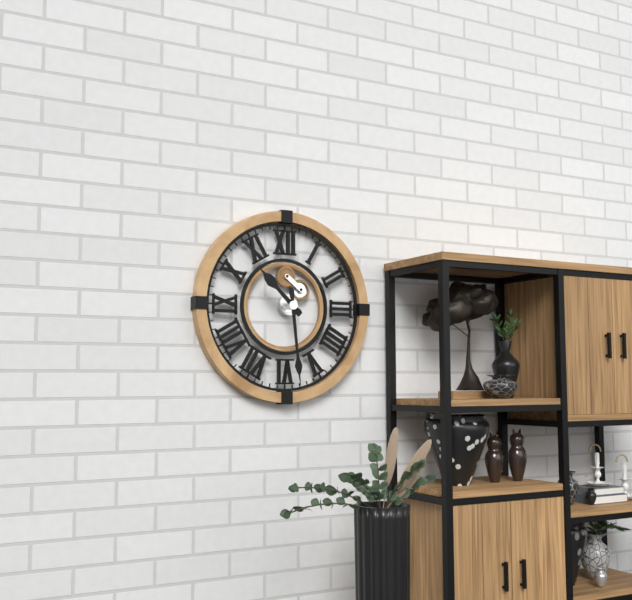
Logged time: 10:29
